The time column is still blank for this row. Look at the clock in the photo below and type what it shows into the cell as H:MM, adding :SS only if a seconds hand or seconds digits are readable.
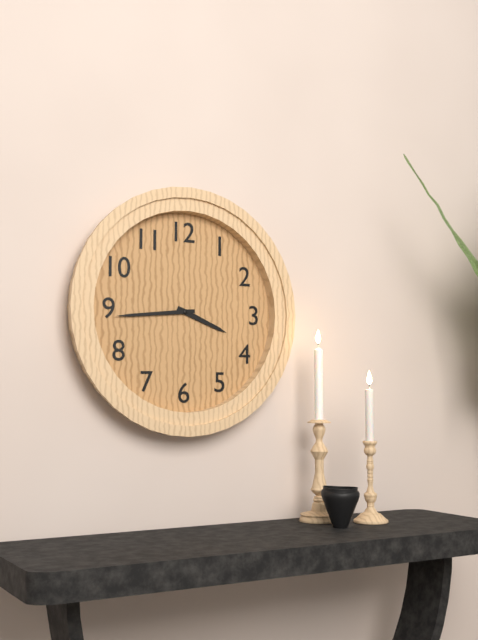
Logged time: 3:44
